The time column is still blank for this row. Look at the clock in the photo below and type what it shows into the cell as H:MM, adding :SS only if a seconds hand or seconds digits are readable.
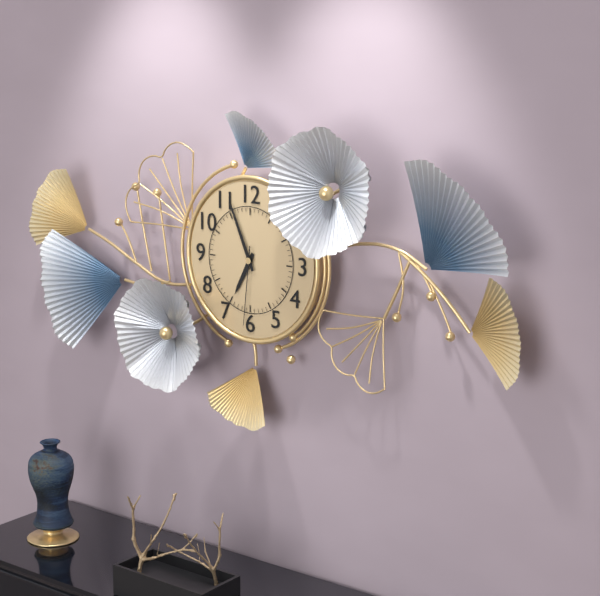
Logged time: 6:56:31
